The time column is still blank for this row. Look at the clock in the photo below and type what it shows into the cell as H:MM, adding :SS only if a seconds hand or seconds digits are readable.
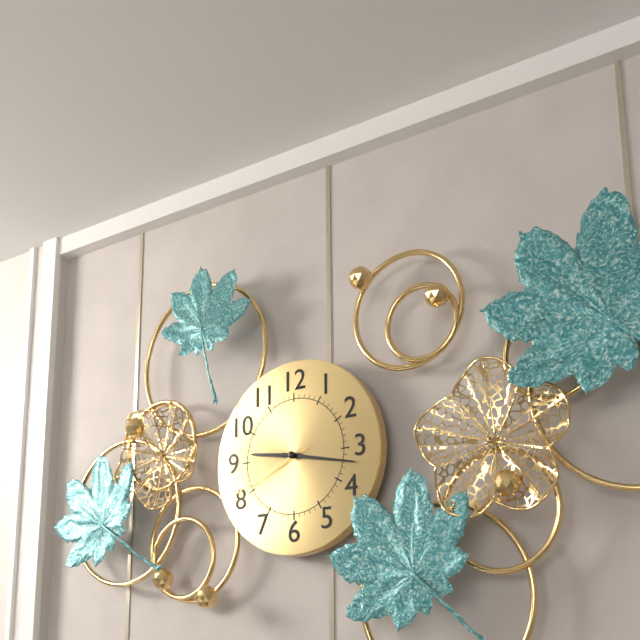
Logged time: 9:17:41
